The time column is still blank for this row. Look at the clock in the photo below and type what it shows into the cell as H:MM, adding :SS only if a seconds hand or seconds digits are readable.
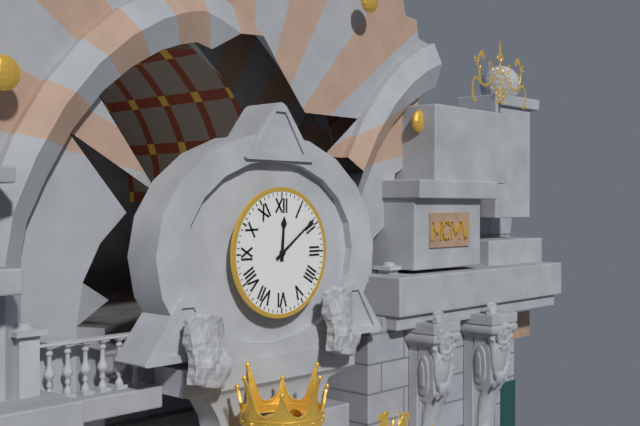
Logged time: 12:09
